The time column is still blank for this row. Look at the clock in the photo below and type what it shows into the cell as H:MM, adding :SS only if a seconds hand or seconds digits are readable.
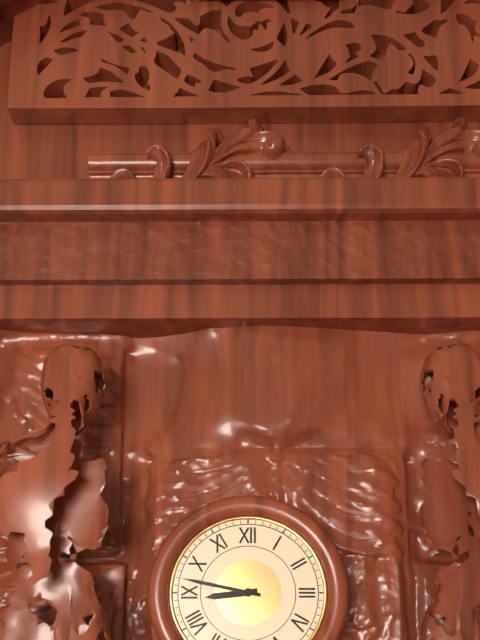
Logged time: 8:47
